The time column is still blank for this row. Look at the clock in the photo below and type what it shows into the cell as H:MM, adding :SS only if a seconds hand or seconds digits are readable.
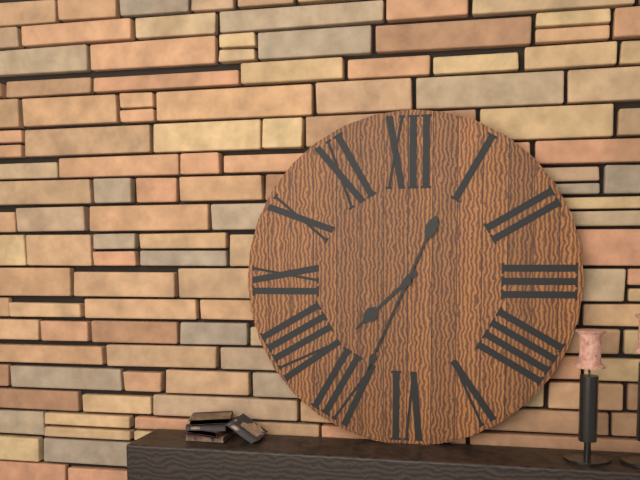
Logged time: 7:34
